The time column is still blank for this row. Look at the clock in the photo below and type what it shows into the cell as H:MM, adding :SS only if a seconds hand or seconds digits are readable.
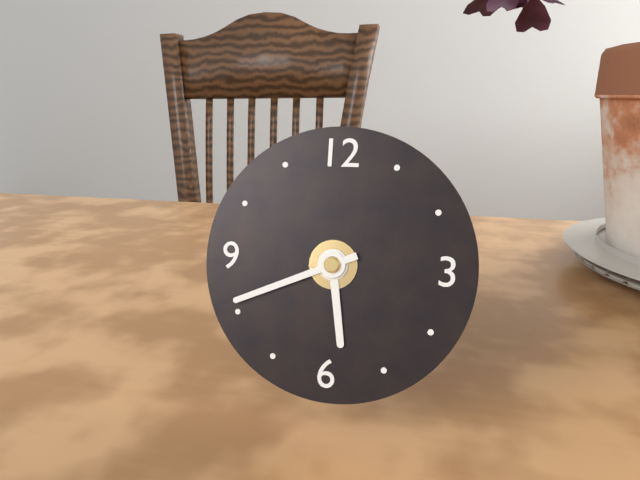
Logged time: 5:41
